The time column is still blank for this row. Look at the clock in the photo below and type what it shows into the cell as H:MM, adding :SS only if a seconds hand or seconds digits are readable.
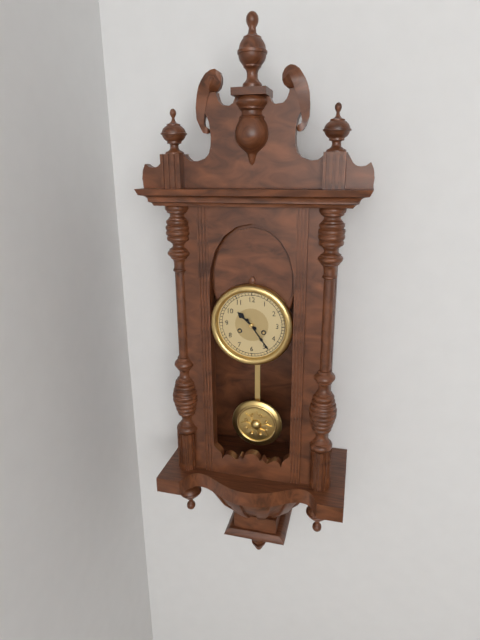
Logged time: 10:24
